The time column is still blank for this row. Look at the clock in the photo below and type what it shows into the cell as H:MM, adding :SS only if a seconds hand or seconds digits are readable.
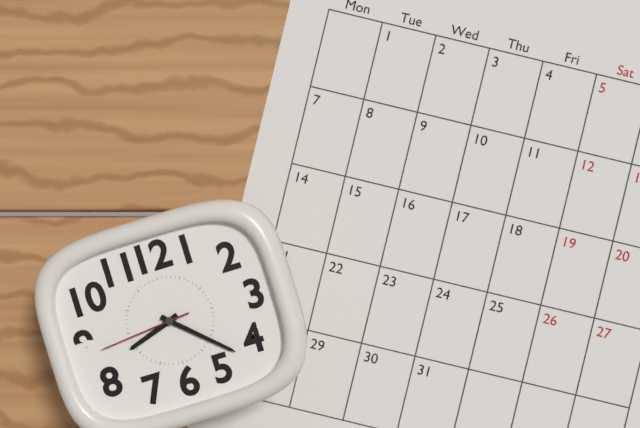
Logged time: 8:22:44
